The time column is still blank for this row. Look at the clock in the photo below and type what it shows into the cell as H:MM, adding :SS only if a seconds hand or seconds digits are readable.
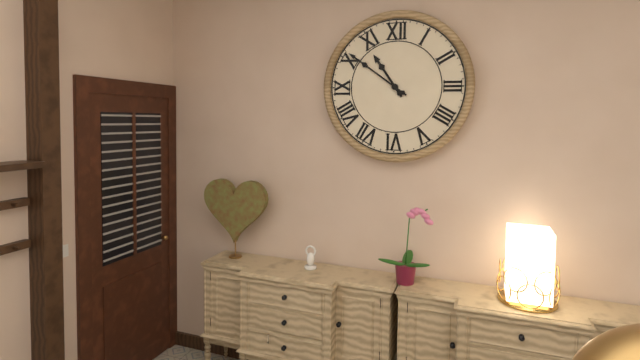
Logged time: 10:51
